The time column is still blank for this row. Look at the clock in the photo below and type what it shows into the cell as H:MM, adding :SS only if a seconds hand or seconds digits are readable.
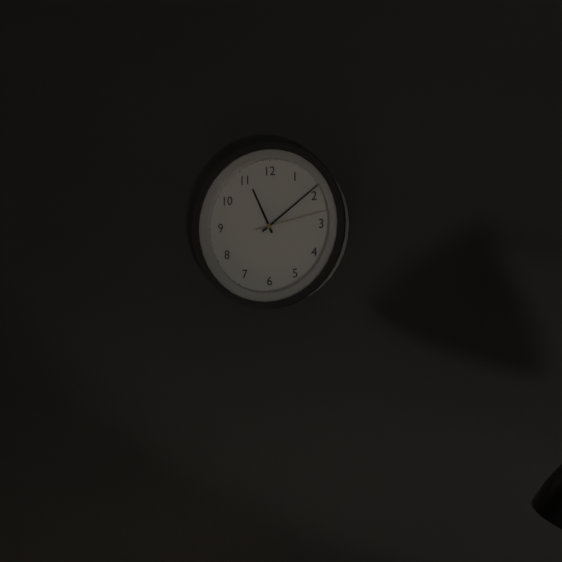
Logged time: 11:09:13
